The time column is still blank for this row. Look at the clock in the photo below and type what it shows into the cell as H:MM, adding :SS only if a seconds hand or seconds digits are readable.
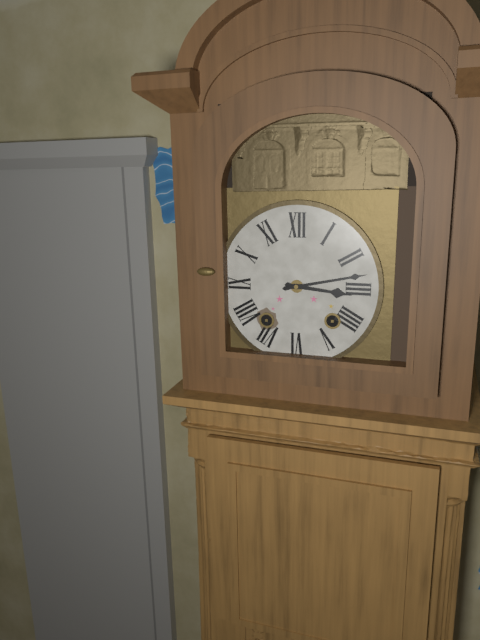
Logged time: 3:13
